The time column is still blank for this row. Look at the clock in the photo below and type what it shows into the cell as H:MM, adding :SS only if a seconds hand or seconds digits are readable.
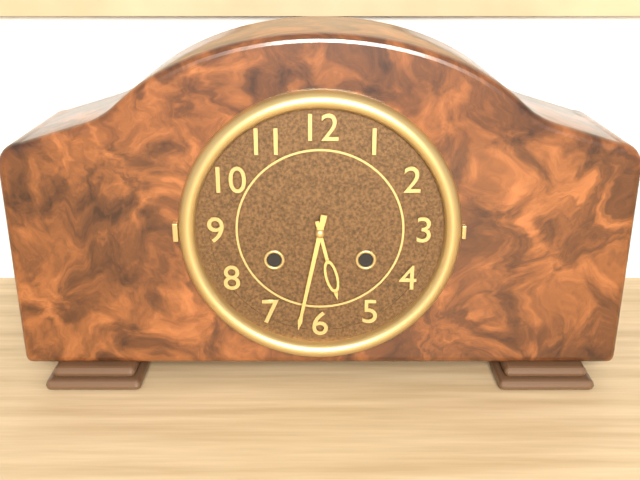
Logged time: 5:32
